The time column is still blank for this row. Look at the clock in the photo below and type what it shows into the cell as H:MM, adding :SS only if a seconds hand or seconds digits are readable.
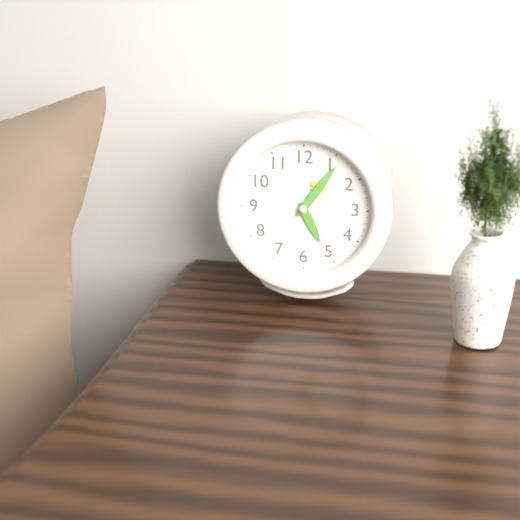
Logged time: 5:06
